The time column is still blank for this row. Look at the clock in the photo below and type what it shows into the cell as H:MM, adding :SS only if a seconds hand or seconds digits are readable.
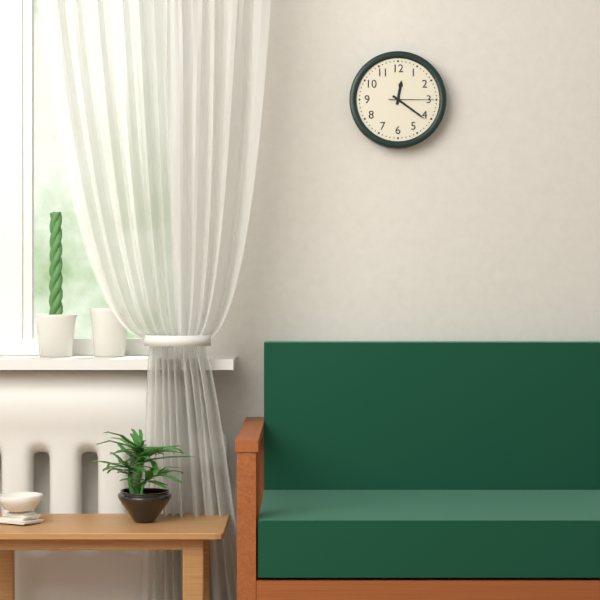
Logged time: 12:21
